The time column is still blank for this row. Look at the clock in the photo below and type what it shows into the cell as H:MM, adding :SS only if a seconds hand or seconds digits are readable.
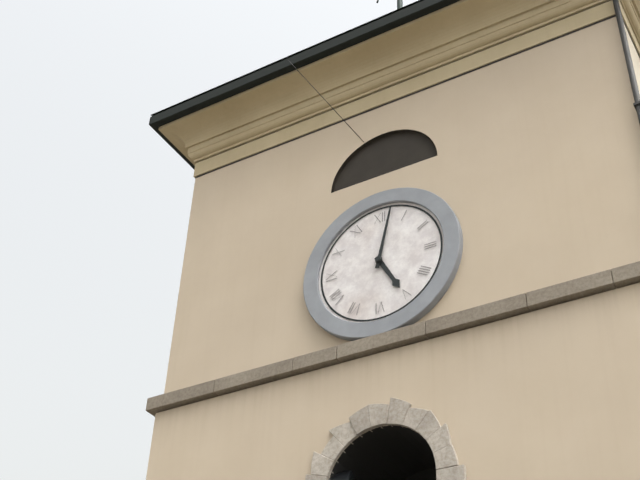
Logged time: 5:02
